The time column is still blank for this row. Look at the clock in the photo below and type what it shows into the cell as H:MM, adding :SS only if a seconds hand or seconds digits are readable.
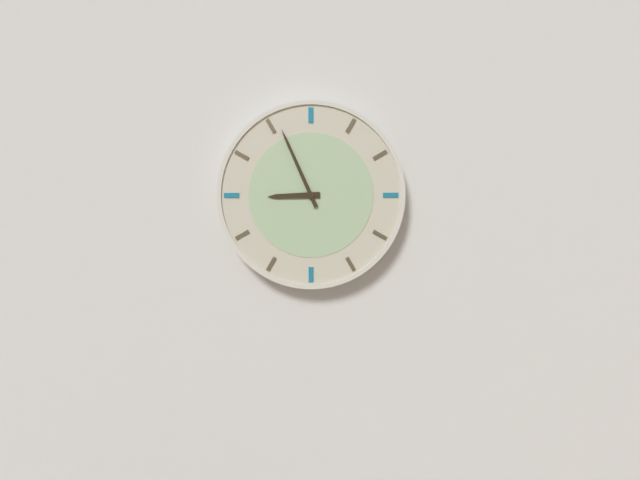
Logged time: 8:56
